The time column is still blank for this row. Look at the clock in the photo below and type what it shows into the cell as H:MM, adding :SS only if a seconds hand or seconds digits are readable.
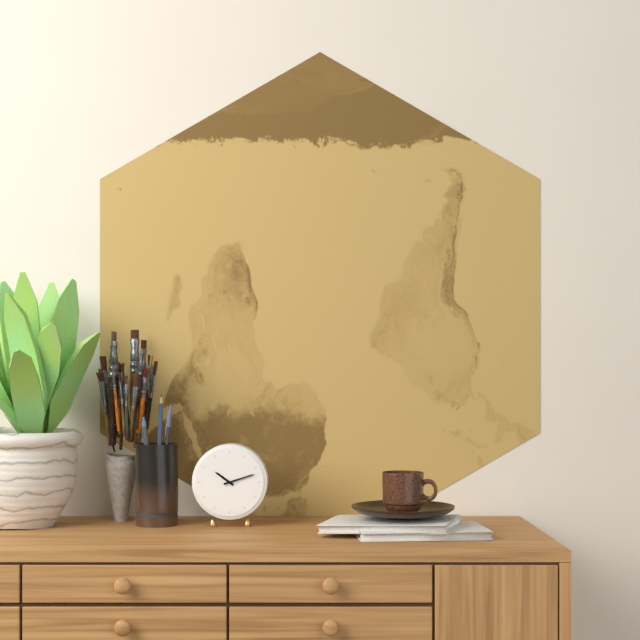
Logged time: 10:12
